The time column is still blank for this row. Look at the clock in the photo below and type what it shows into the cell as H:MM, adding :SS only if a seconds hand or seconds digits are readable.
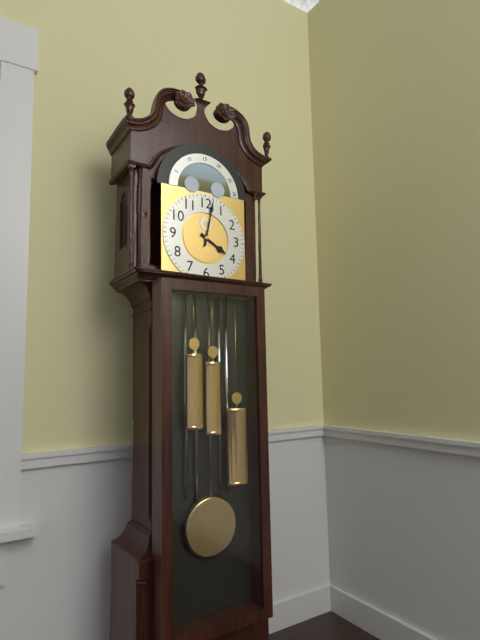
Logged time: 4:02
